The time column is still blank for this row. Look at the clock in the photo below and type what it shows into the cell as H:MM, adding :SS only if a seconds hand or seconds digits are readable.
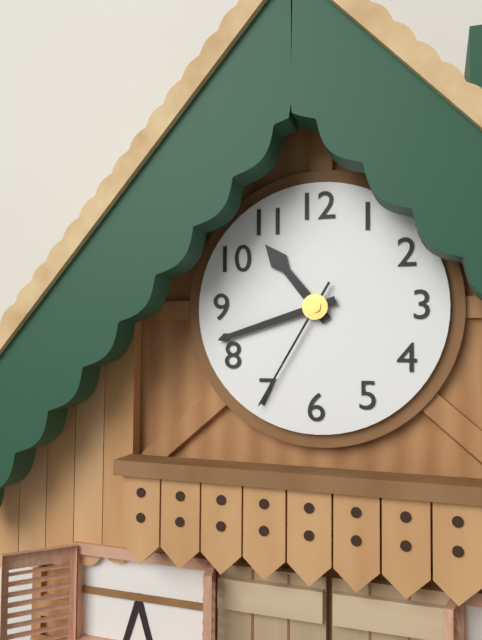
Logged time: 10:42:35
